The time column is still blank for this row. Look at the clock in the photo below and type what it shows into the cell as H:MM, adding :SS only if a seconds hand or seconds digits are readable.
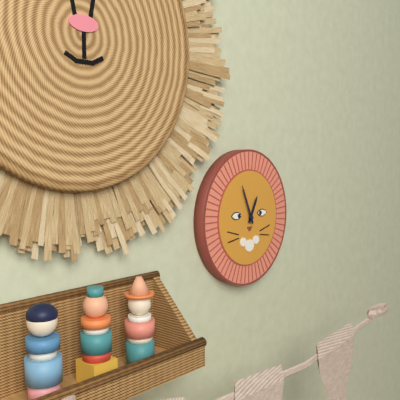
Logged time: 12:56
